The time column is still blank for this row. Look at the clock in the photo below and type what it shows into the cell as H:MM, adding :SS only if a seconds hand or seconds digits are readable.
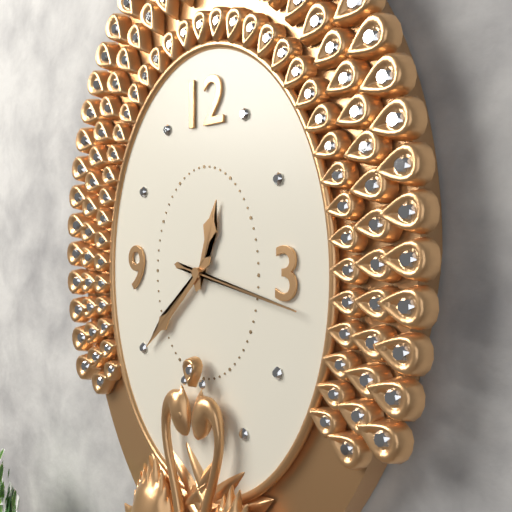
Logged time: 12:38:17
